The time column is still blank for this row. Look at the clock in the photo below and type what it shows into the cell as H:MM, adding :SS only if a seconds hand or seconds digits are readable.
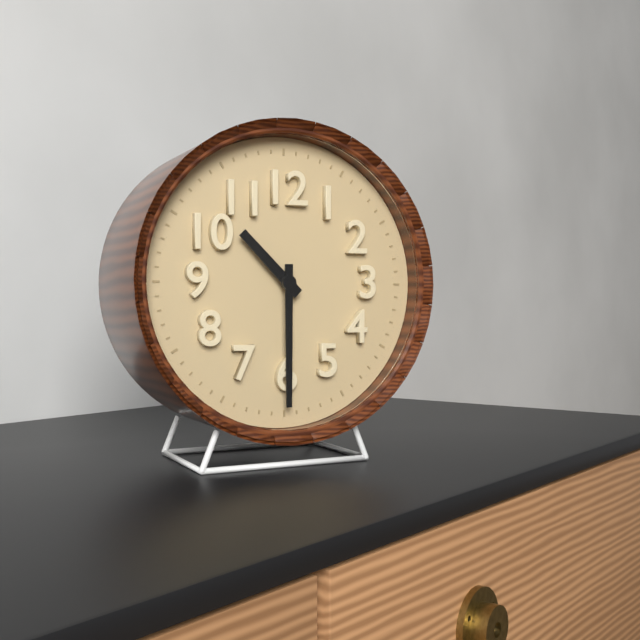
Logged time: 10:30
